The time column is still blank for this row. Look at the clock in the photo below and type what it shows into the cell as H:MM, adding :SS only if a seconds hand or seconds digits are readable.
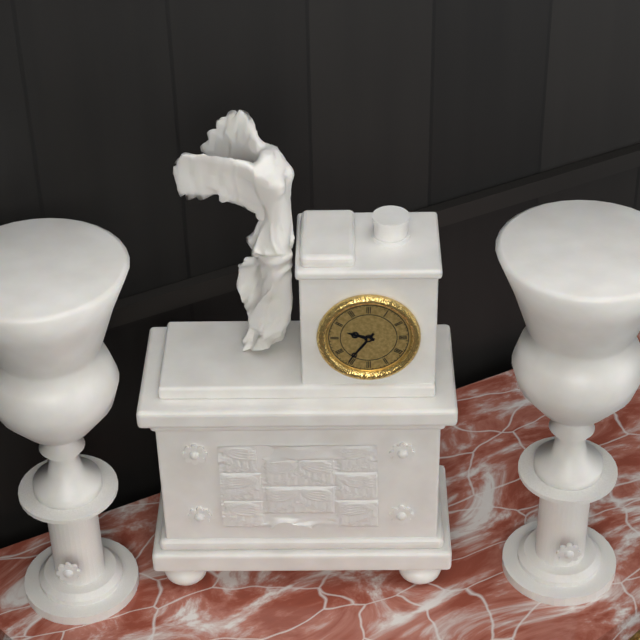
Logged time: 9:36
